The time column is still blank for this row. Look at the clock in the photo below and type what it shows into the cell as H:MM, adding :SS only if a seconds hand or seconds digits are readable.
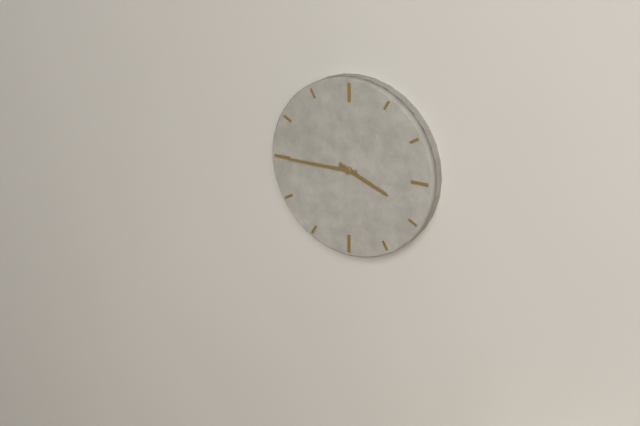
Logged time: 3:45
